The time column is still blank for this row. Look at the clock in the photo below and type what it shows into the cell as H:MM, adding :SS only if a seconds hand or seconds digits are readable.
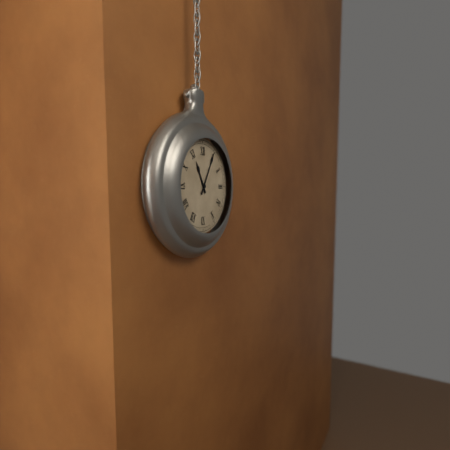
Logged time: 11:05
